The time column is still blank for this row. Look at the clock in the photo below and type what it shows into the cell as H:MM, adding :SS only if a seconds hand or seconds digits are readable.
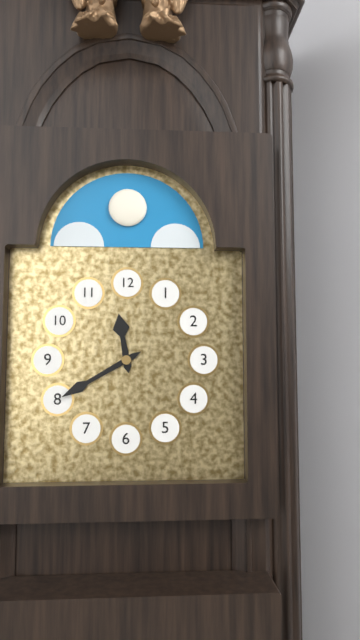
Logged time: 11:40
